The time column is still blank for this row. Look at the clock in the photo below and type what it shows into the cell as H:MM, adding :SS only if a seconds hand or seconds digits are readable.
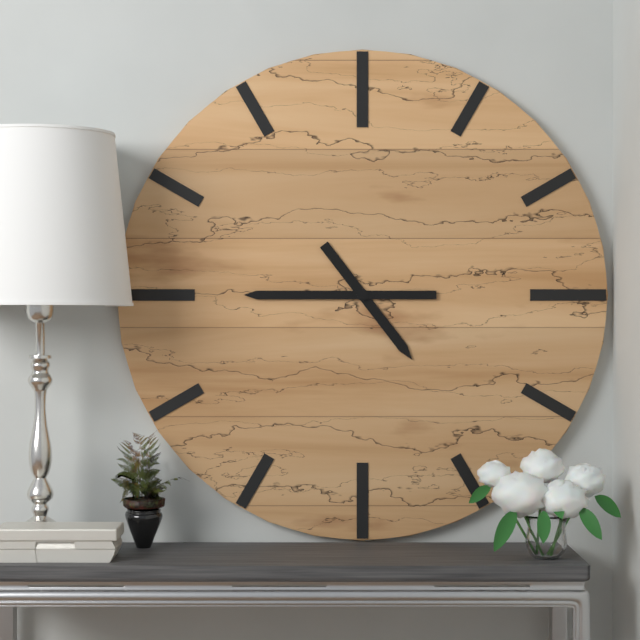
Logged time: 4:45
